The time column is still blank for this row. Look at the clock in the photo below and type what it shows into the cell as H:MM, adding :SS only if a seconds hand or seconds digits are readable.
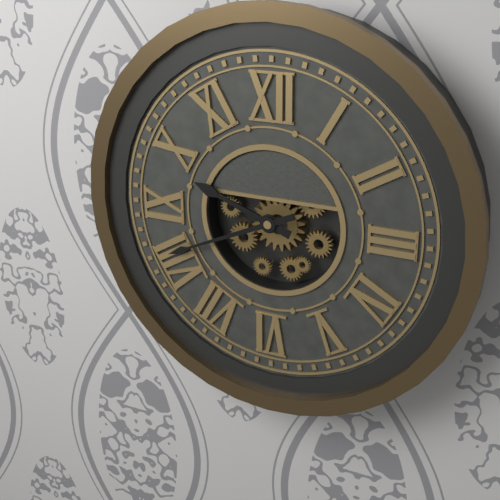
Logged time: 9:41
